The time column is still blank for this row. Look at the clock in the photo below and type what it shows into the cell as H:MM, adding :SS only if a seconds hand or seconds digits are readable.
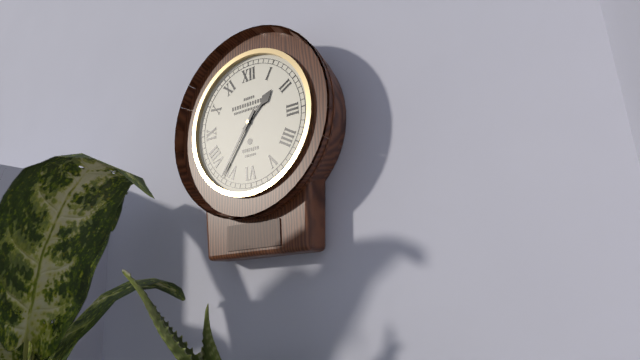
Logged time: 1:36
